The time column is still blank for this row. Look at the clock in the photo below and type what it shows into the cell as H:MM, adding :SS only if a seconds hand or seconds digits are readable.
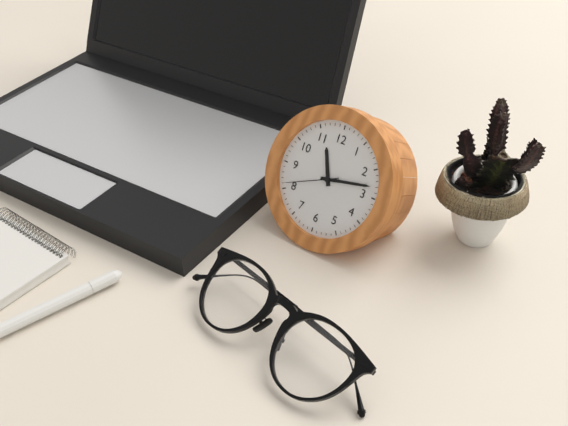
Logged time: 11:13:41
